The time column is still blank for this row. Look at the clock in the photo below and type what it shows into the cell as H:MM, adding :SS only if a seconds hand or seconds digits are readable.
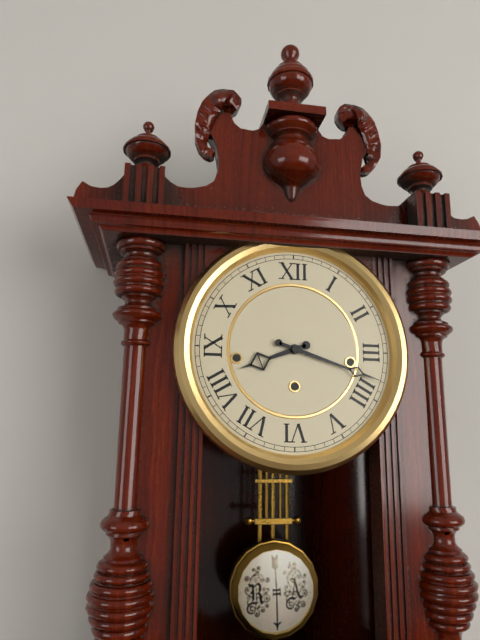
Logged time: 8:18
